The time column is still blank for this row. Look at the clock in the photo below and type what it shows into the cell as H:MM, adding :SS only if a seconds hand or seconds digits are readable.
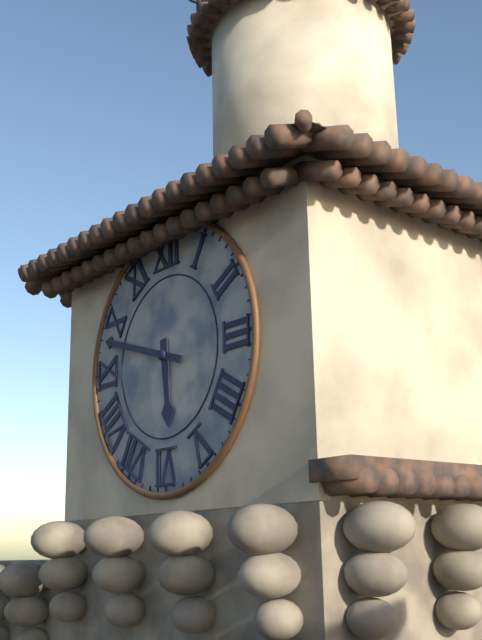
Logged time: 5:48
